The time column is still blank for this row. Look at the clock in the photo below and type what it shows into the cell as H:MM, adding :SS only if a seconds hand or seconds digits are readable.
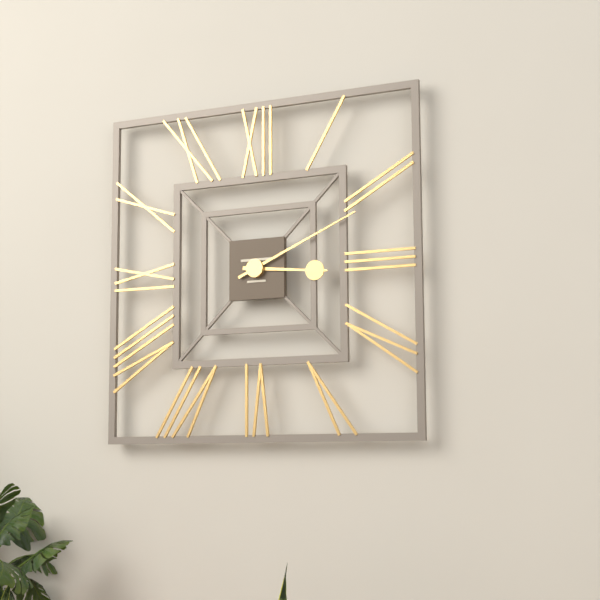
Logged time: 3:11
